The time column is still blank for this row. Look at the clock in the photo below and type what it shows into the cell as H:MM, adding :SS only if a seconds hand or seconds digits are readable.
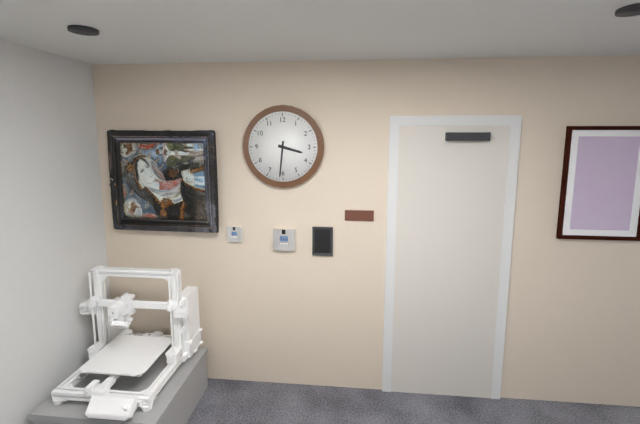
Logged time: 3:31
